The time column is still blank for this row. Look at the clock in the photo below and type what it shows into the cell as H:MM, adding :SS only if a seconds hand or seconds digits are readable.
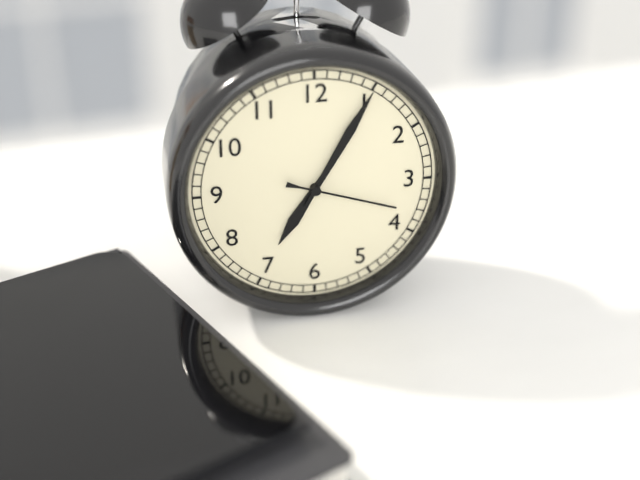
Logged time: 7:05:18
